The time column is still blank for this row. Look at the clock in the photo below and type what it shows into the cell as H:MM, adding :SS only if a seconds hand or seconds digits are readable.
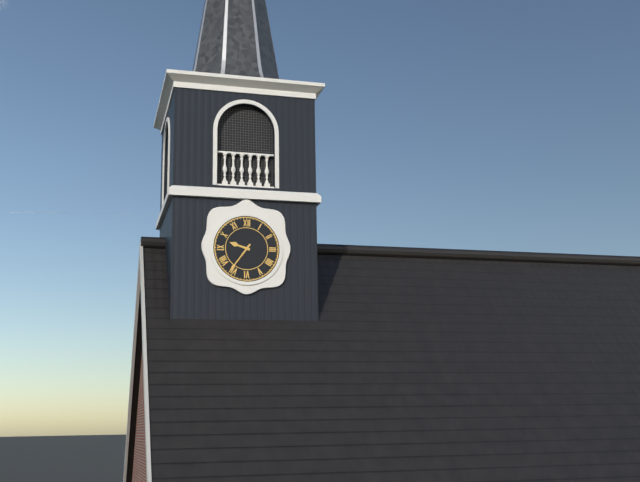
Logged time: 9:36
